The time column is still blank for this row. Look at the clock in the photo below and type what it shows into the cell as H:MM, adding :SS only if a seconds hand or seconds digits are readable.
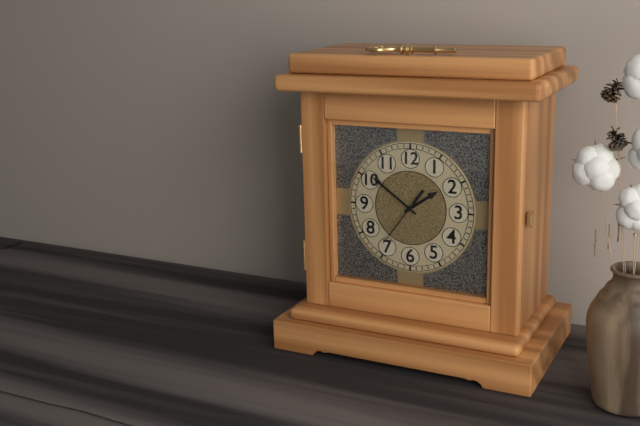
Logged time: 1:51:36
